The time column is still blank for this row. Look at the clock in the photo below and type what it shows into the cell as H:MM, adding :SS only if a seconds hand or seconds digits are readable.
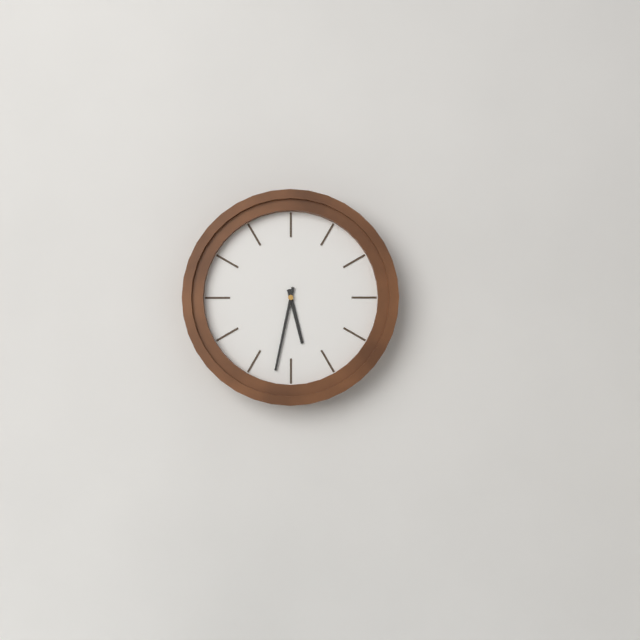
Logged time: 5:32
